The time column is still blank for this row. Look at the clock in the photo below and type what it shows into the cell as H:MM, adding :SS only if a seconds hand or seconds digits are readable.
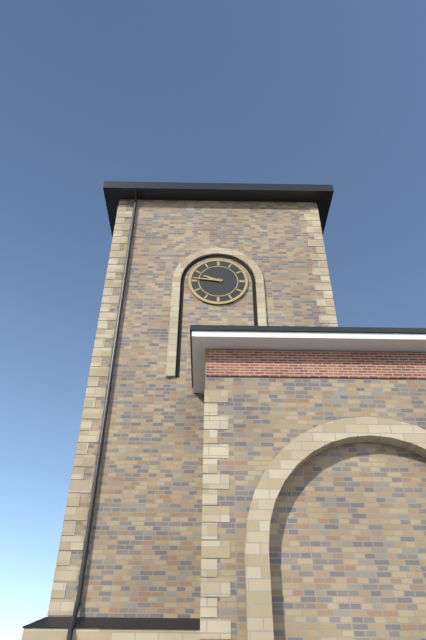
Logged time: 9:46
